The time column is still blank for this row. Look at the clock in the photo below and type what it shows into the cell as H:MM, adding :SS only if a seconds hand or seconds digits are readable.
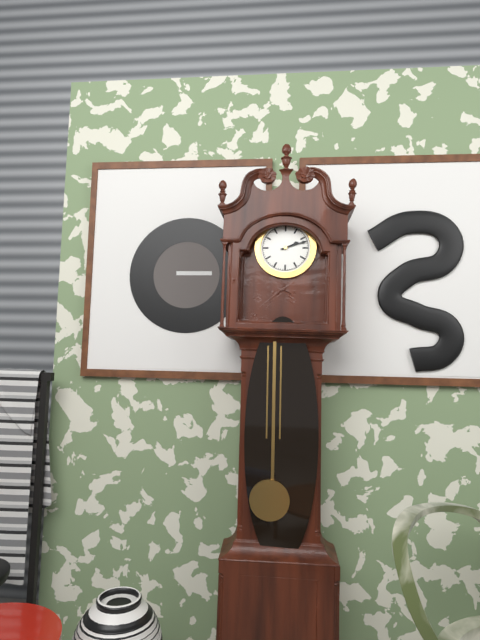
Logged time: 2:12
